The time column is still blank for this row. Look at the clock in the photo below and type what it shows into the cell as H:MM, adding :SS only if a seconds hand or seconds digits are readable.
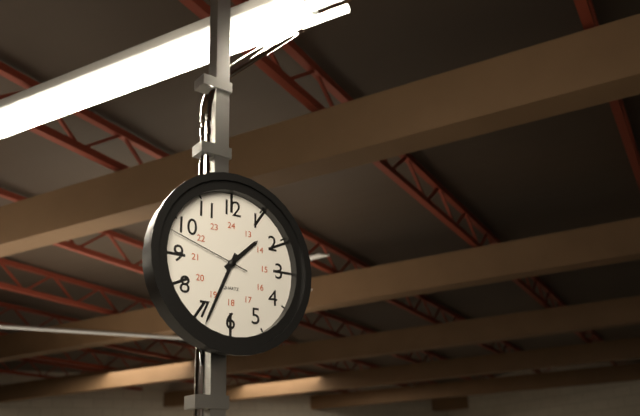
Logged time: 1:34:48
